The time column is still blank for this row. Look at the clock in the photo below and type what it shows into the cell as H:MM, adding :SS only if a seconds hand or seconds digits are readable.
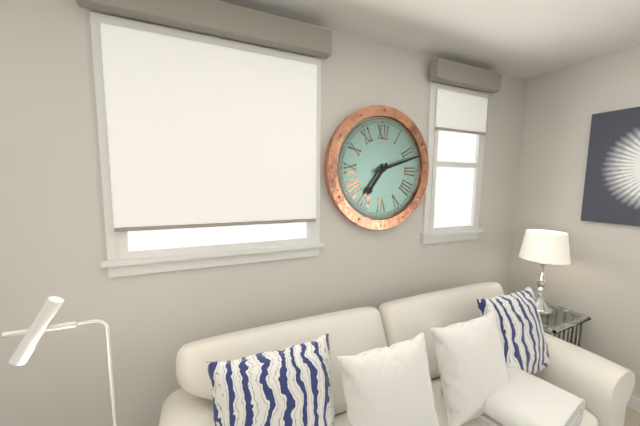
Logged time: 7:12
